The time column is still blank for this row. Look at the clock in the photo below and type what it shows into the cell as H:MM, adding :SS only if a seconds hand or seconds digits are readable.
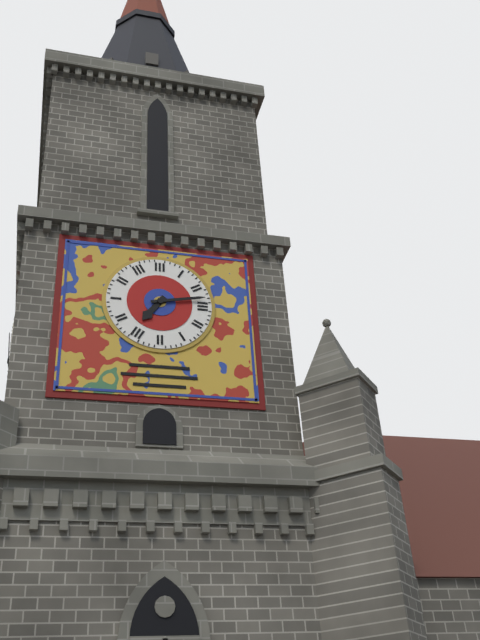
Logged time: 7:13
